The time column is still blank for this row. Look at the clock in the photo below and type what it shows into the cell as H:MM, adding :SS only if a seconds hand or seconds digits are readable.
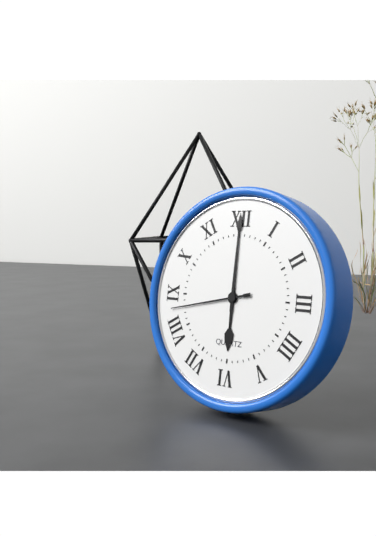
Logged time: 6:00:43
